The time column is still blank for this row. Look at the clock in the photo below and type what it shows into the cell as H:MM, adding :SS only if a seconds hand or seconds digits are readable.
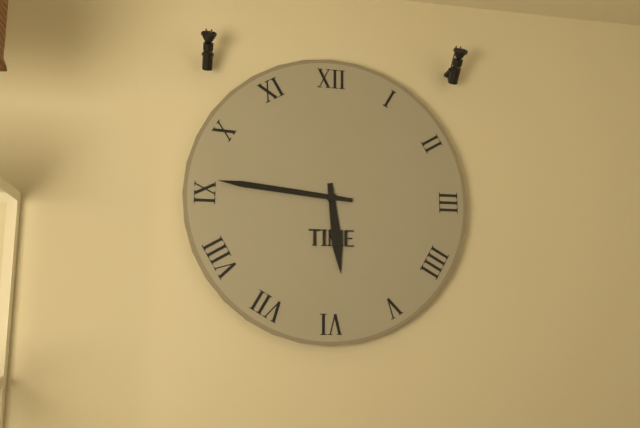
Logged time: 5:46
